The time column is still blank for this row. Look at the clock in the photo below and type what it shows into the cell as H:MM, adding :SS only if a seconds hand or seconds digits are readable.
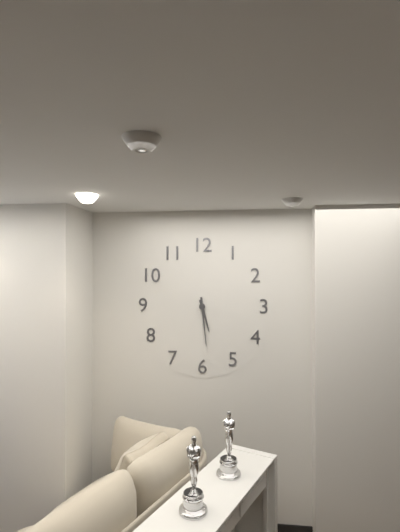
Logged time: 5:29
